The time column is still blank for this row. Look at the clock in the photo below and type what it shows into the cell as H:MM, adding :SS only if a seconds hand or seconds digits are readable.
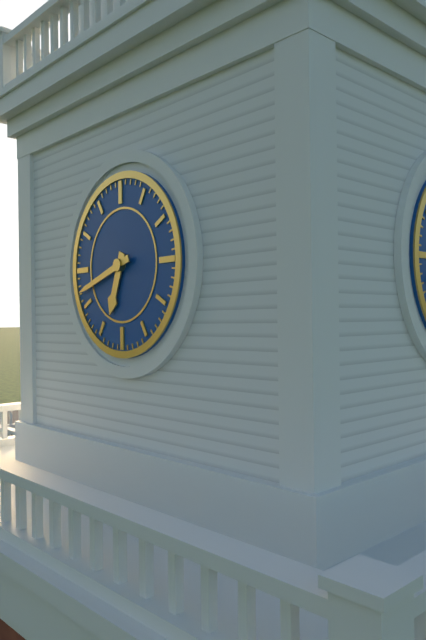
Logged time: 6:42
